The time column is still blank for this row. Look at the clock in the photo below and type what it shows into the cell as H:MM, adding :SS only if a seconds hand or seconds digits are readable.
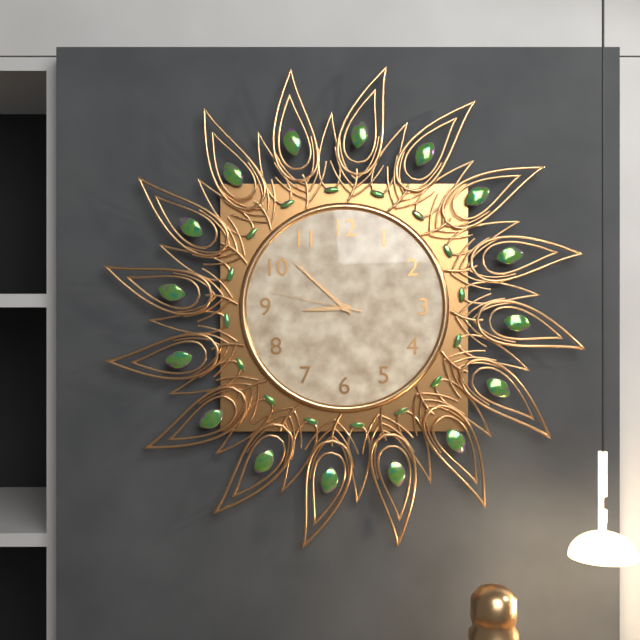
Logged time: 8:52:47
